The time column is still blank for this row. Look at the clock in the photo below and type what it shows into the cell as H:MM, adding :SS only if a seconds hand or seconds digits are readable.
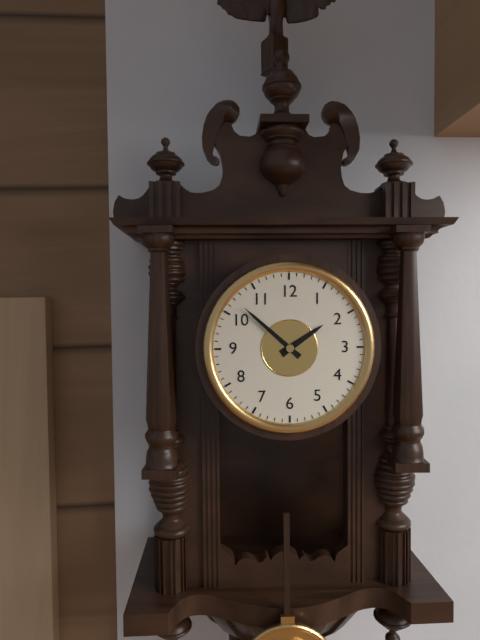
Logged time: 1:52
